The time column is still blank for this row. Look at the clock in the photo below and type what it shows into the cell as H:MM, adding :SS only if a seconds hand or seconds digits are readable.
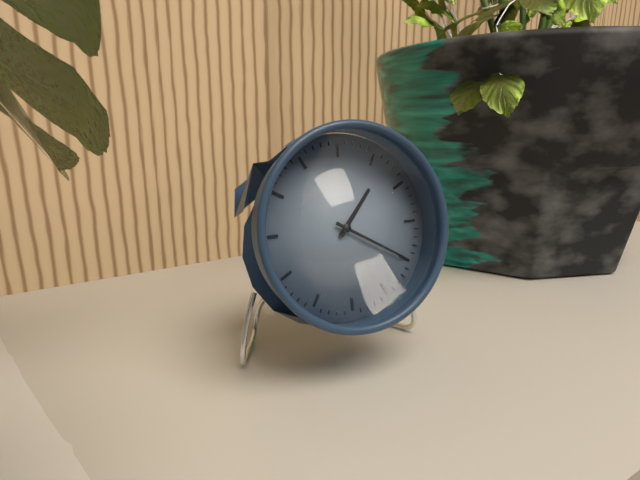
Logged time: 1:20
